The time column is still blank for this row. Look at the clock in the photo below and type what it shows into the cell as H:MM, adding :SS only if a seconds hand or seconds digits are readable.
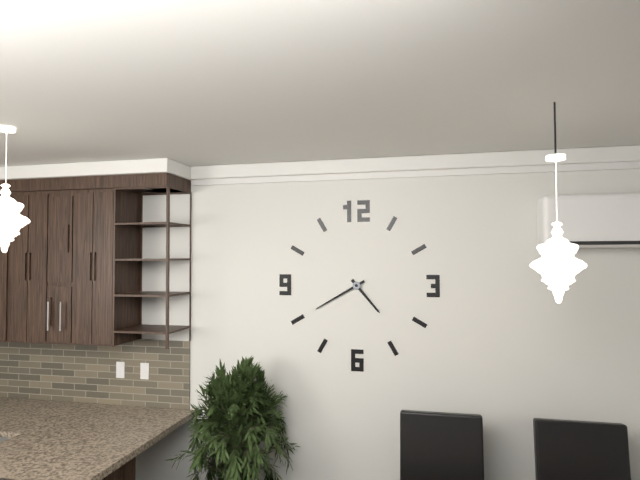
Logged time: 4:40
